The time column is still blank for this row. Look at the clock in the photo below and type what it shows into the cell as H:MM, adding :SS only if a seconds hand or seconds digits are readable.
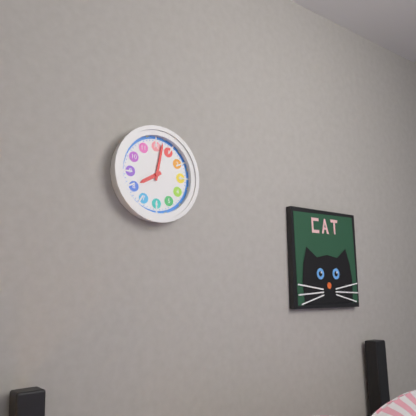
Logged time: 8:02
